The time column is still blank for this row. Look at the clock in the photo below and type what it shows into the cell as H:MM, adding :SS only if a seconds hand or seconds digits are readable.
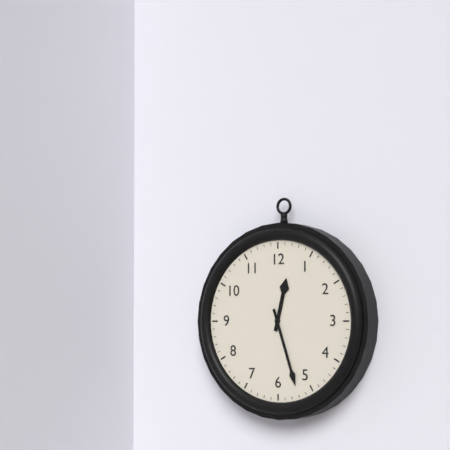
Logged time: 12:27
